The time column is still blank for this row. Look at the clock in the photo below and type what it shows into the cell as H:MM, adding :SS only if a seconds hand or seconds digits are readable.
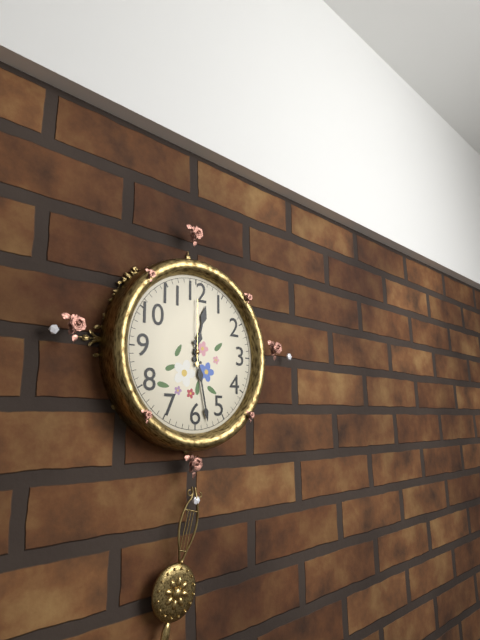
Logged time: 12:28:00
